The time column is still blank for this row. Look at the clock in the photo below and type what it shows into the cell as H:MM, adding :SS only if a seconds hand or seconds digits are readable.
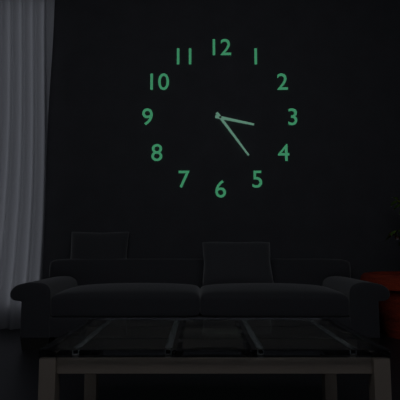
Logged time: 3:24
